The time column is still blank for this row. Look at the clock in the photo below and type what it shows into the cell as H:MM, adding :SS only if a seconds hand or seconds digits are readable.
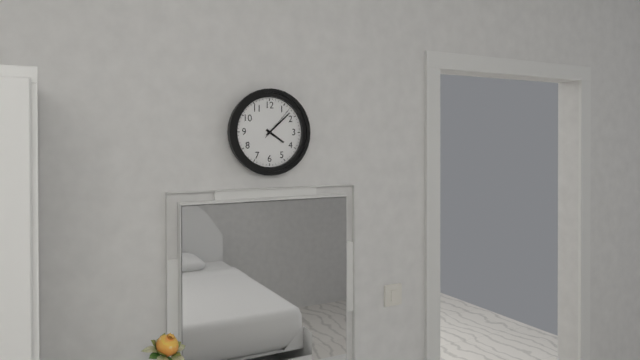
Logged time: 4:08
